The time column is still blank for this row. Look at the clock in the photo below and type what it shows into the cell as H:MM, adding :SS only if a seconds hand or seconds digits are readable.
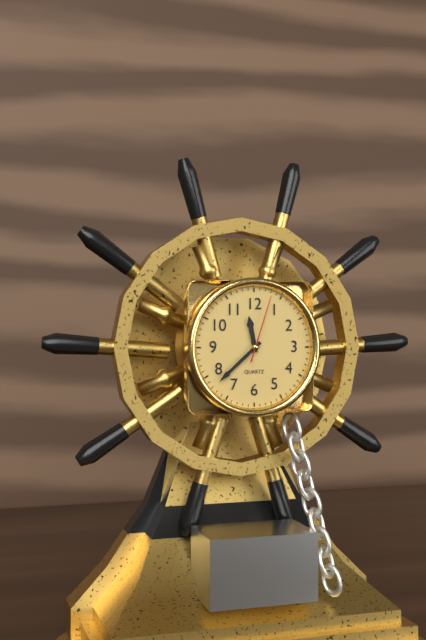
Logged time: 11:38:03
